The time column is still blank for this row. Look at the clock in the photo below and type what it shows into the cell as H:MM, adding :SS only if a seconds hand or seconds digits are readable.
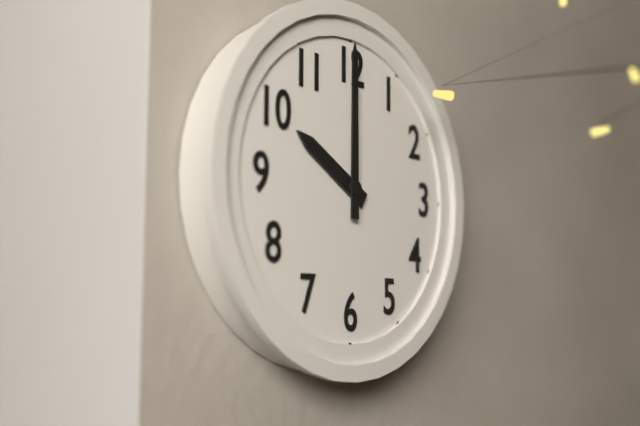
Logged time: 10:00
